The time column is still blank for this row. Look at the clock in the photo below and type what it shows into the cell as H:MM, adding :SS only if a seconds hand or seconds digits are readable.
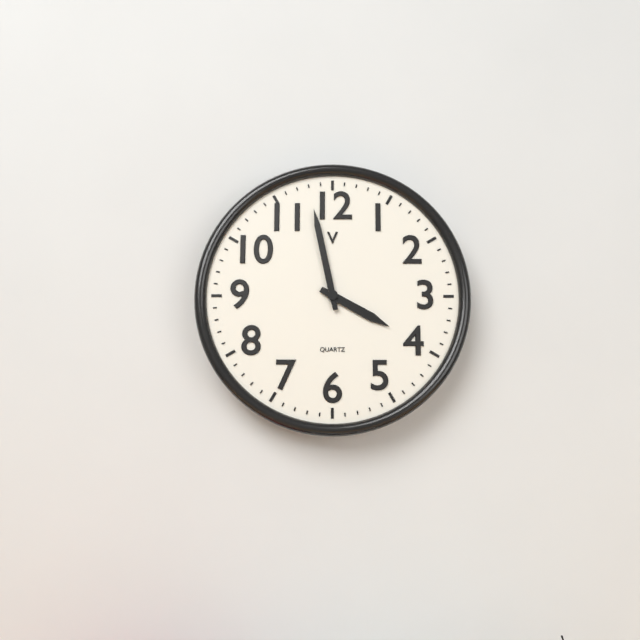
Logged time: 3:58
